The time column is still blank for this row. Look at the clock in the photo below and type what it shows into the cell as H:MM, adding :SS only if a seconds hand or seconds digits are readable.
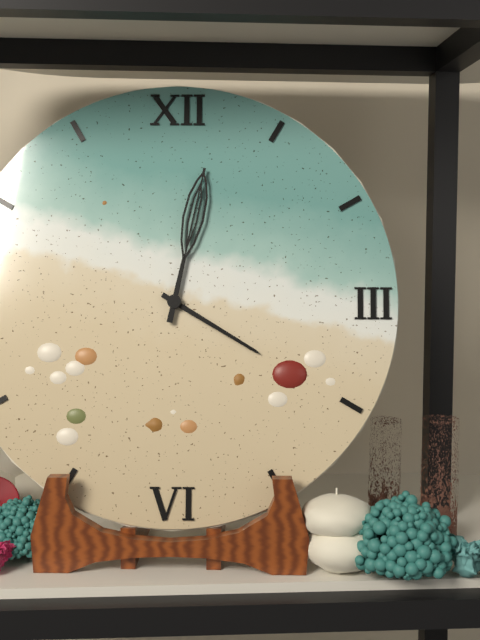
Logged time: 4:02
